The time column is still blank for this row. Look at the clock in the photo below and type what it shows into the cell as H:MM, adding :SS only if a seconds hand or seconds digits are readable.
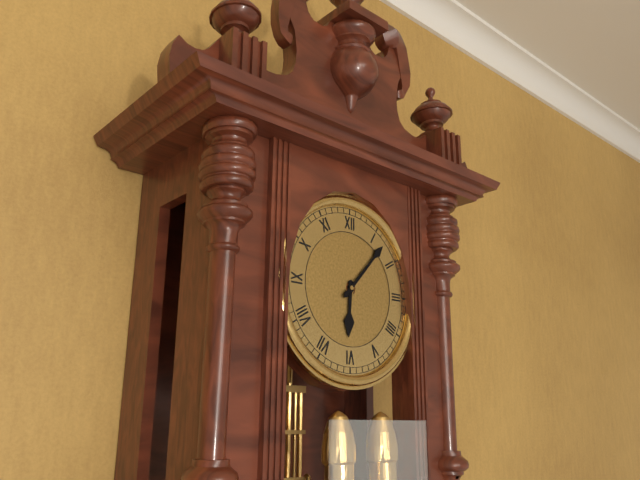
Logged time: 6:07
